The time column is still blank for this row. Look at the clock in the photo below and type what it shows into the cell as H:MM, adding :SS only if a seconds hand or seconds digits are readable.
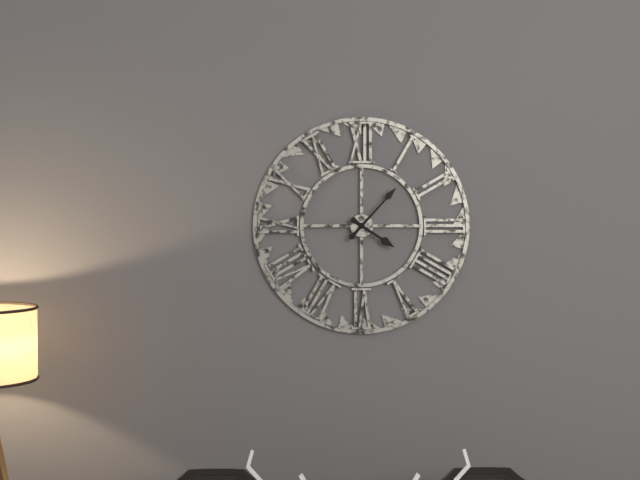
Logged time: 4:07
